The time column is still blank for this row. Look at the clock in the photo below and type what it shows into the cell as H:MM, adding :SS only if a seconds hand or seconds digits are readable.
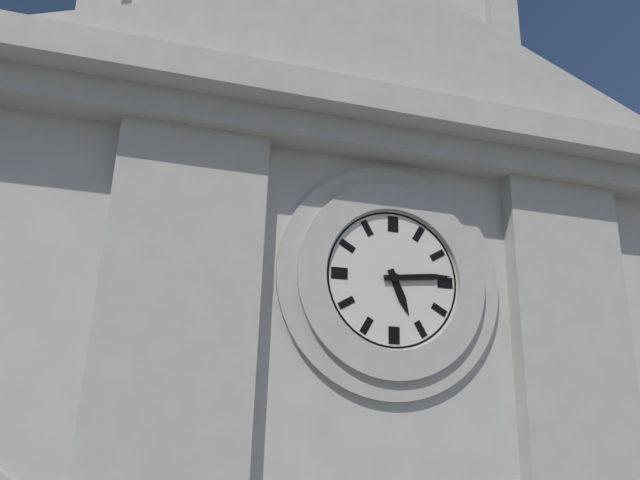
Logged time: 5:14
